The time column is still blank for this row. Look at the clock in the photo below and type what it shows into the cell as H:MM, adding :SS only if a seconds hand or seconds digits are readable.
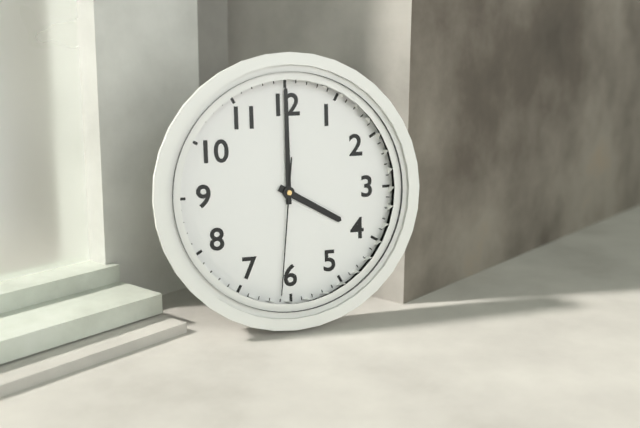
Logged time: 4:00:31
